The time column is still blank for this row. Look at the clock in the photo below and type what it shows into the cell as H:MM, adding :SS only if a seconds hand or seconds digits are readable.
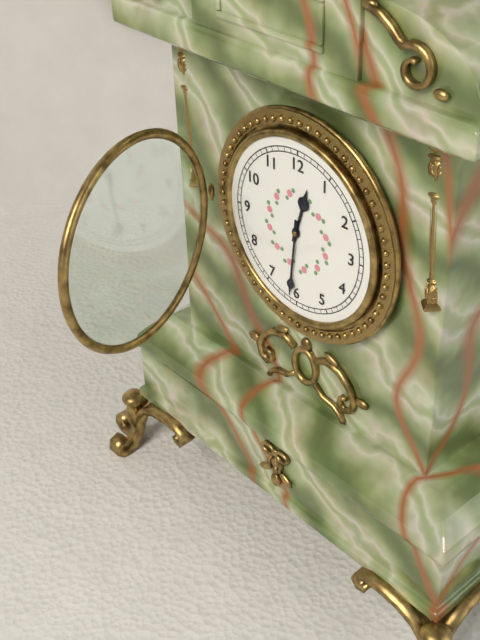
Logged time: 12:31
